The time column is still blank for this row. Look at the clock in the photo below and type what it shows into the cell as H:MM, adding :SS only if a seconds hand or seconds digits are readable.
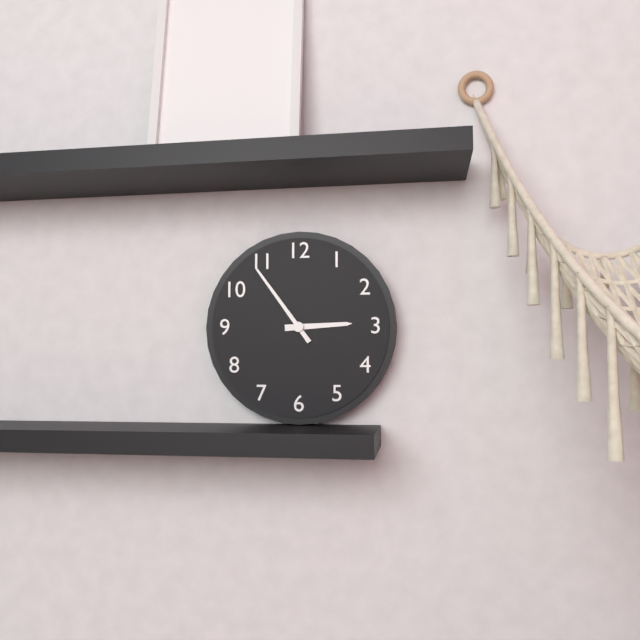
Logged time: 2:54
